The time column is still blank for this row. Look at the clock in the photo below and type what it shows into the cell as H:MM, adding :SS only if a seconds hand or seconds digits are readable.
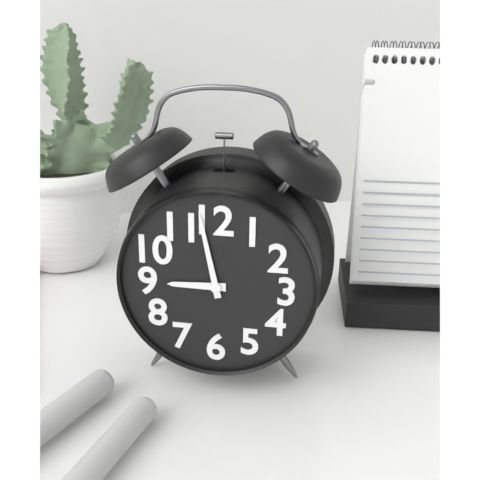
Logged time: 8:58
